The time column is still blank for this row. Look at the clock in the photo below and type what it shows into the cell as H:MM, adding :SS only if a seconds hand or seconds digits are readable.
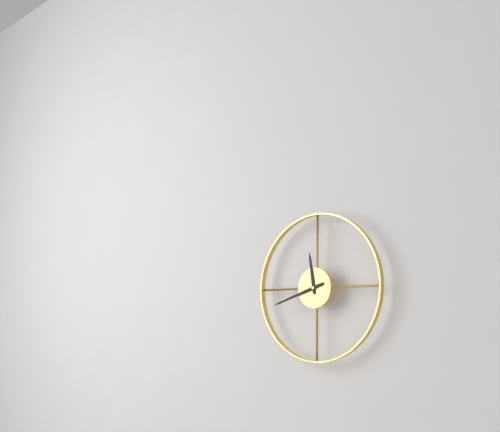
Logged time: 11:42
